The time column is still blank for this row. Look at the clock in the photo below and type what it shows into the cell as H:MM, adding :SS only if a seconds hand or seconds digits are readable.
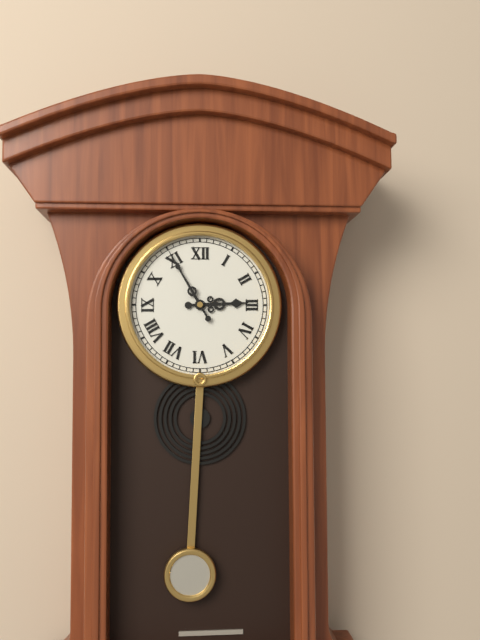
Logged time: 2:55
